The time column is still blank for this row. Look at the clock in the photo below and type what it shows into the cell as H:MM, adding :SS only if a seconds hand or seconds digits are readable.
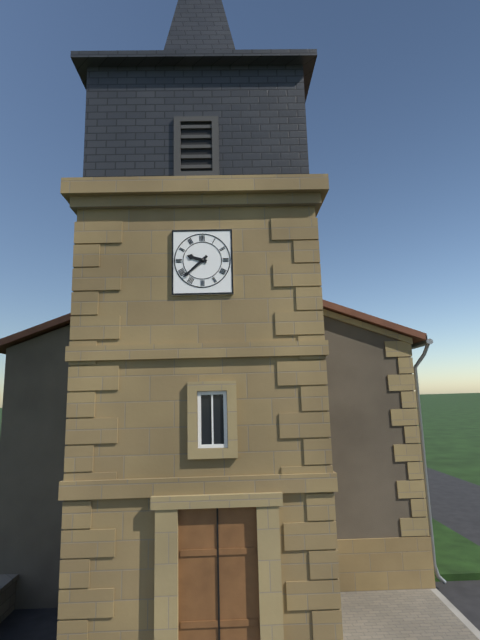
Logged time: 9:38
